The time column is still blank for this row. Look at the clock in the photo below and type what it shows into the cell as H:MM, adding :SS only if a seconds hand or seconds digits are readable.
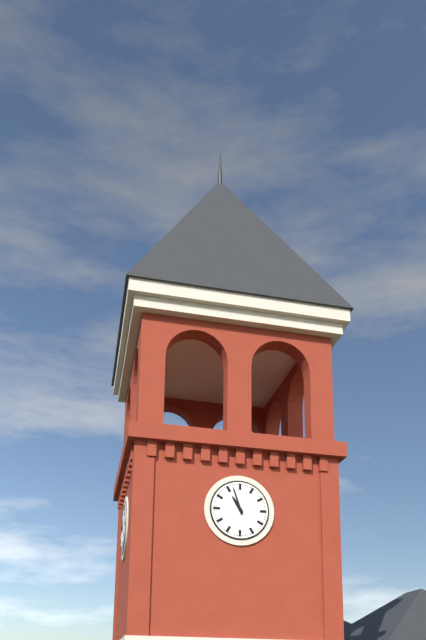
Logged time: 10:57
